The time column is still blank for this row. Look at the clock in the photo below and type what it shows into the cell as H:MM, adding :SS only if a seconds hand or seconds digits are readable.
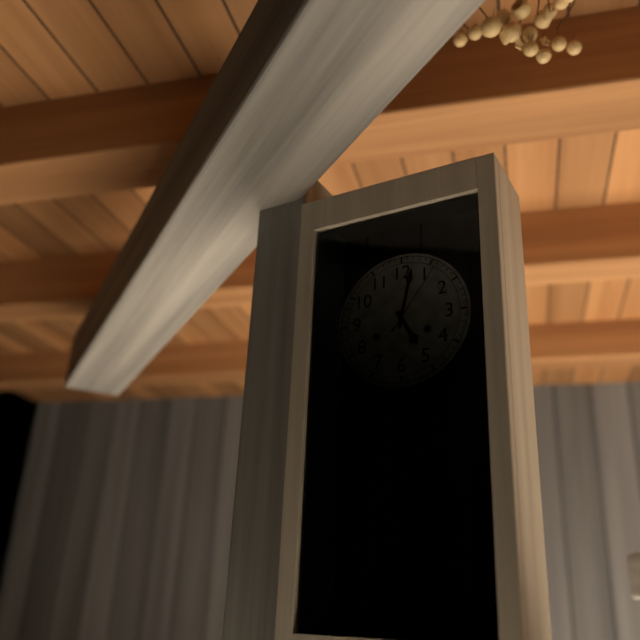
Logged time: 5:02:06
